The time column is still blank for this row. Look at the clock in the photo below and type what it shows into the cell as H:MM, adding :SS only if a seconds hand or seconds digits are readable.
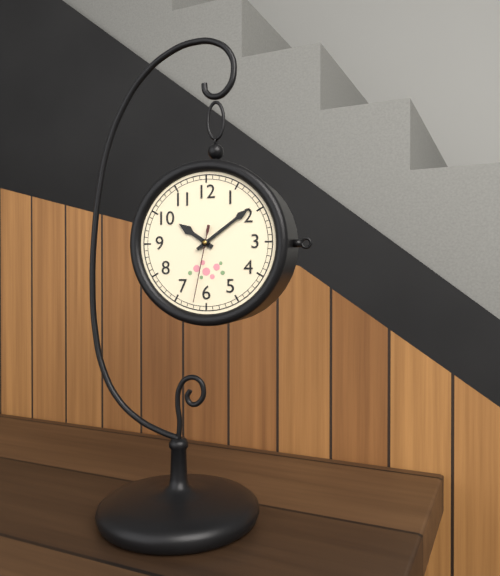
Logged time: 10:09:32
